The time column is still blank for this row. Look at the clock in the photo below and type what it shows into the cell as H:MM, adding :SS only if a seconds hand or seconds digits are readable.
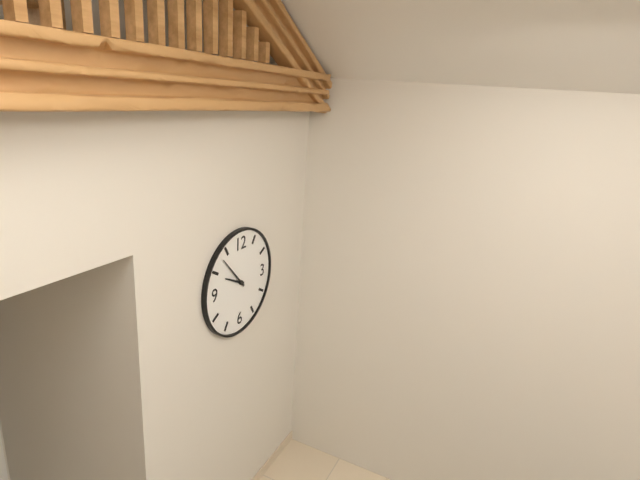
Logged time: 9:53
